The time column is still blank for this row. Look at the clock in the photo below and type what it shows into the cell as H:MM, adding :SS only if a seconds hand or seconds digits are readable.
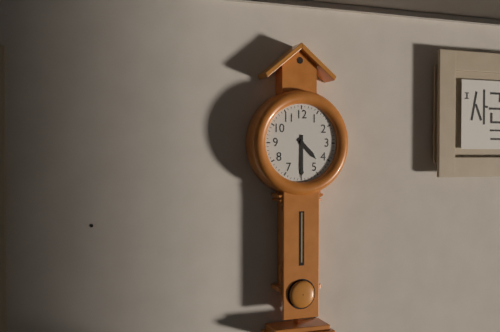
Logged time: 4:30
